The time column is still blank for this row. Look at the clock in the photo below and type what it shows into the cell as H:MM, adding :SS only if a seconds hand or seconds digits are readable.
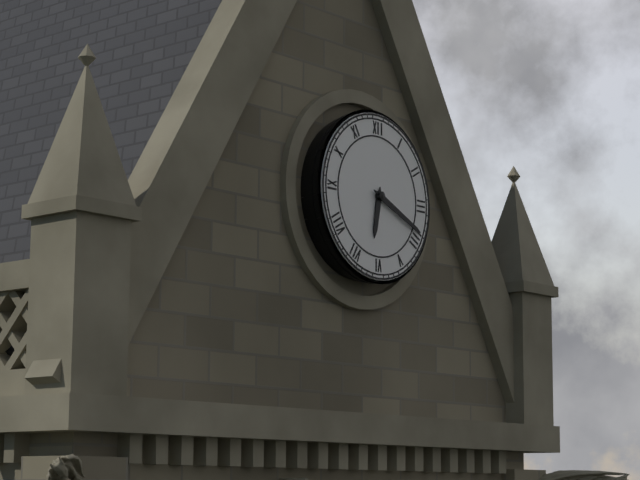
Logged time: 6:19
